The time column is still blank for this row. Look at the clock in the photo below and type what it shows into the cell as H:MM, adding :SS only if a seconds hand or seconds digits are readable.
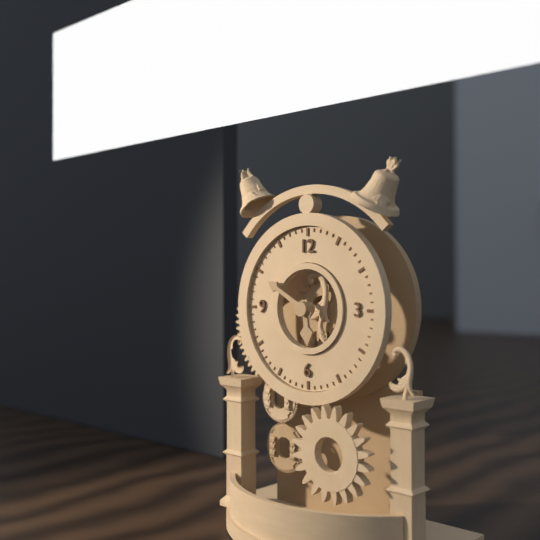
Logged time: 5:50
